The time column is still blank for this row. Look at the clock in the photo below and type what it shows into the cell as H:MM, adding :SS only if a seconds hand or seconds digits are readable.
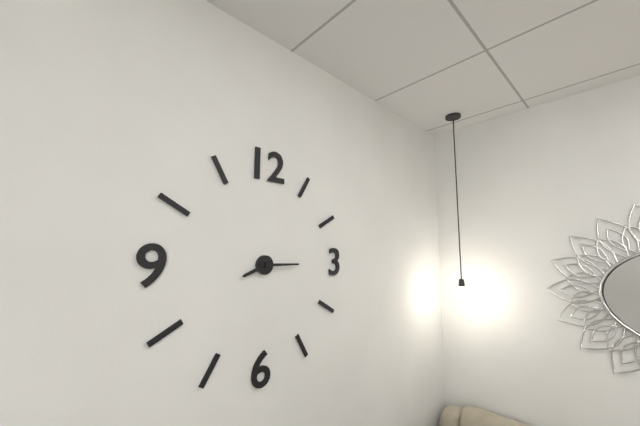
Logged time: 8:15
